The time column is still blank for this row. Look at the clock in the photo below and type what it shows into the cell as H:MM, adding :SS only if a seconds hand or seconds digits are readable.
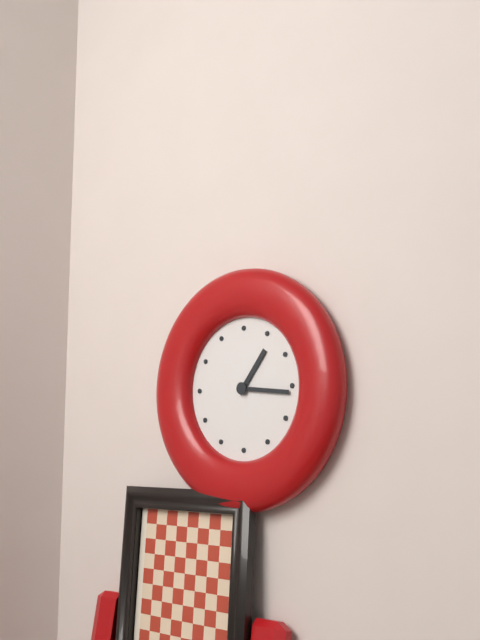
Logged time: 1:16
